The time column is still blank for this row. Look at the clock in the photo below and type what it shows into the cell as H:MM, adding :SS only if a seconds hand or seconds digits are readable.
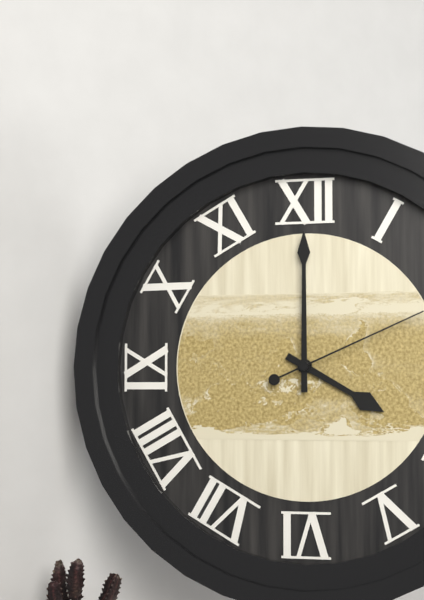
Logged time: 4:00:11
